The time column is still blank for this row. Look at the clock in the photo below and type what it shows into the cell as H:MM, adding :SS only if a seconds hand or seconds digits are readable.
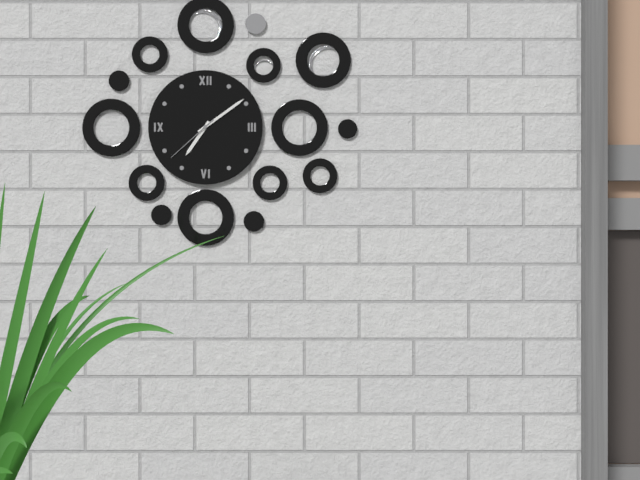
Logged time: 7:09:38
